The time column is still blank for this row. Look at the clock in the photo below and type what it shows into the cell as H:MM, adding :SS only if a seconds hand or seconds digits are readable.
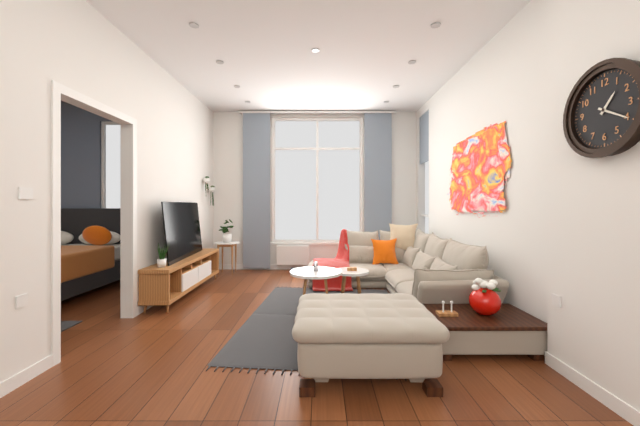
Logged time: 1:20
